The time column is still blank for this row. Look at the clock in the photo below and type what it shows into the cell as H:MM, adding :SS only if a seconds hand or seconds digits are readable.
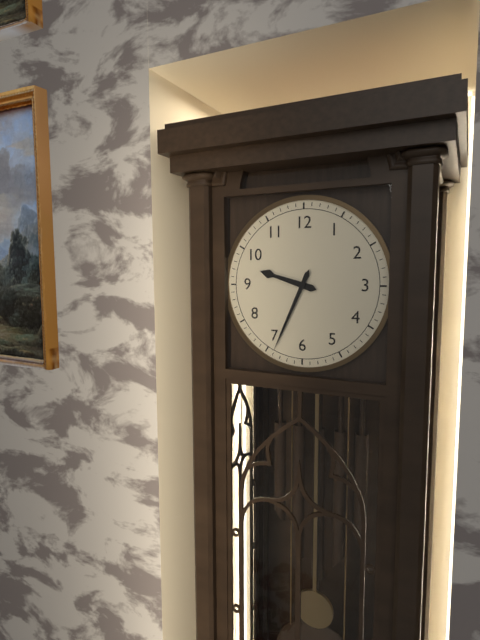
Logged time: 9:34
